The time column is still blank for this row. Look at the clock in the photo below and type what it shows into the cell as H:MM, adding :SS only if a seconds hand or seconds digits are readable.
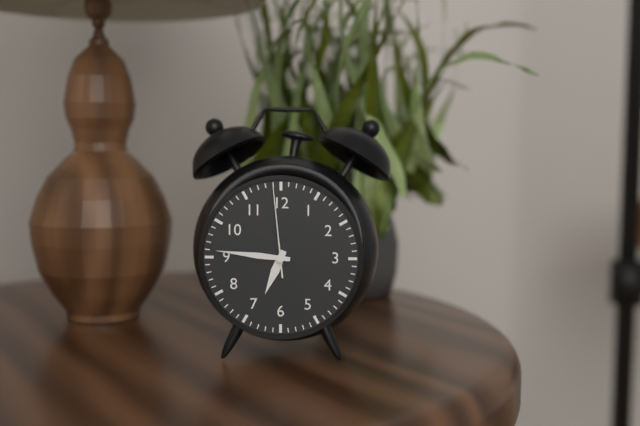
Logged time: 6:46:59
